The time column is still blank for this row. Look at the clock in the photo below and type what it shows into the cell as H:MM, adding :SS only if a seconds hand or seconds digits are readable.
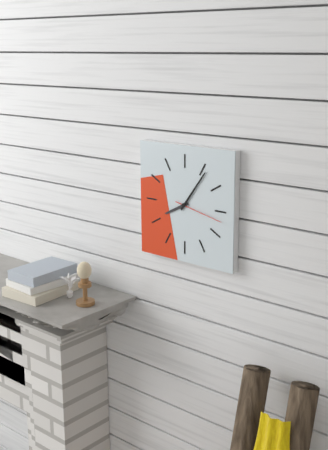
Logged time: 8:06
